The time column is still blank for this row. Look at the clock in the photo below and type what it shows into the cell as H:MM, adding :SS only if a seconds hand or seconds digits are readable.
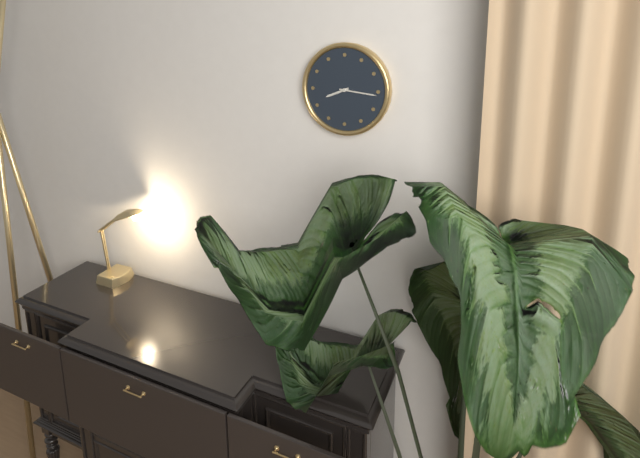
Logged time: 8:16
